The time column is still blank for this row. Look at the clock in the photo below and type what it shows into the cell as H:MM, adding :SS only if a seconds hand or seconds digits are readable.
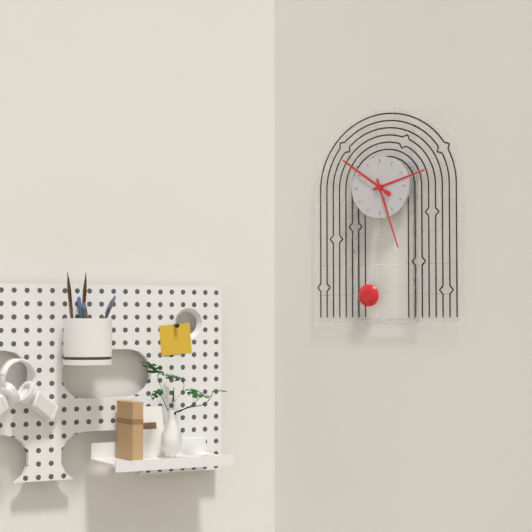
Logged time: 2:27:51
